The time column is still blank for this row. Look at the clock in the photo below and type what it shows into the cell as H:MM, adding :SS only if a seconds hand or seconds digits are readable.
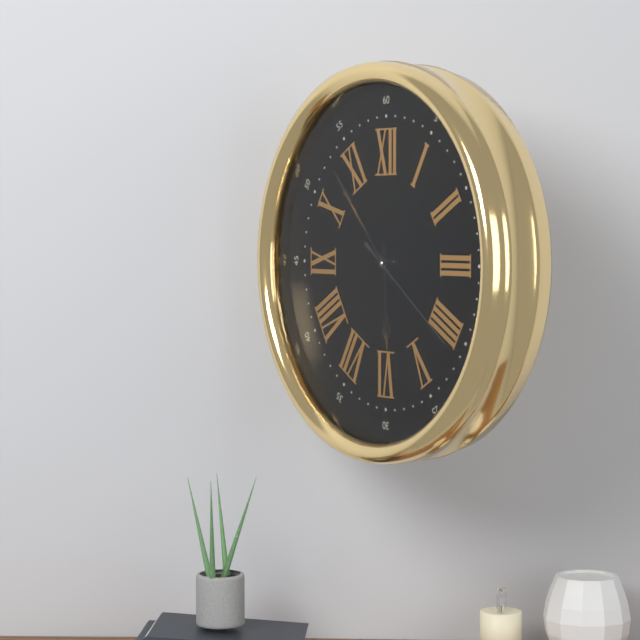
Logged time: 5:53:21
